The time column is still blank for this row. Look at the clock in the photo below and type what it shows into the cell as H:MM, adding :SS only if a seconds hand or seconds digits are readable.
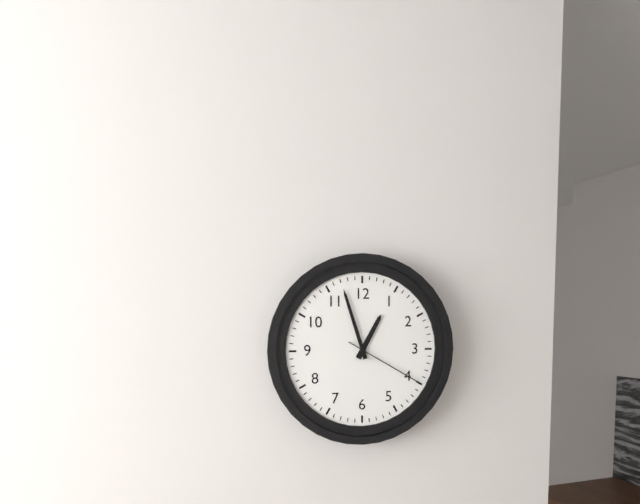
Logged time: 12:57:20
